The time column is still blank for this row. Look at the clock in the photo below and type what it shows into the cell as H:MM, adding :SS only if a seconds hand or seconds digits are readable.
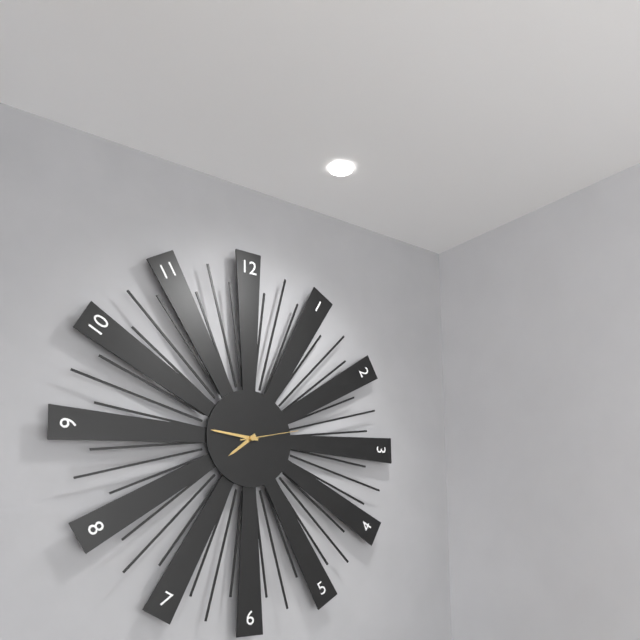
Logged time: 7:46:13
